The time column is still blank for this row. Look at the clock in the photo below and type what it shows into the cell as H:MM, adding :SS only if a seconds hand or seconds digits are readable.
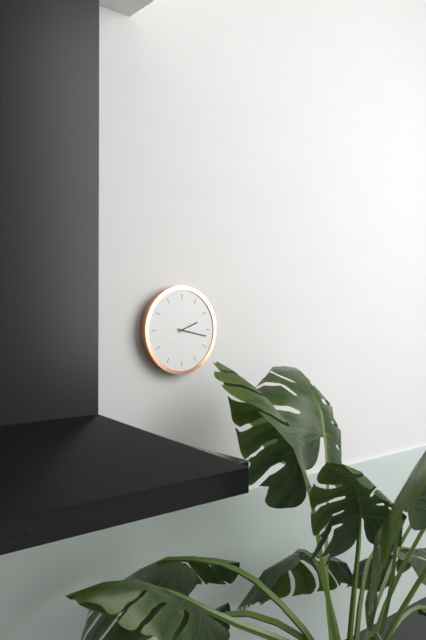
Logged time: 2:17
